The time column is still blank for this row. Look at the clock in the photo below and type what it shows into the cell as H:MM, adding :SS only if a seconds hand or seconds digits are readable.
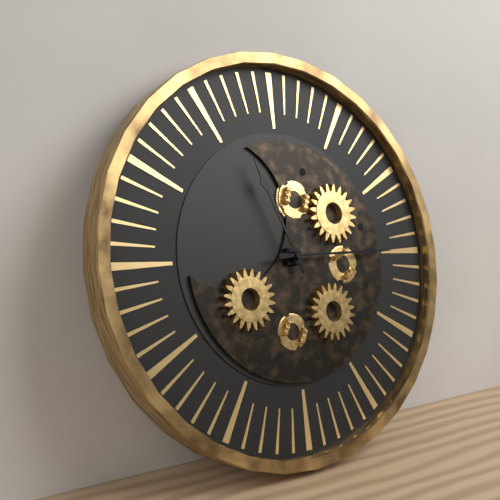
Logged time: 11:15
